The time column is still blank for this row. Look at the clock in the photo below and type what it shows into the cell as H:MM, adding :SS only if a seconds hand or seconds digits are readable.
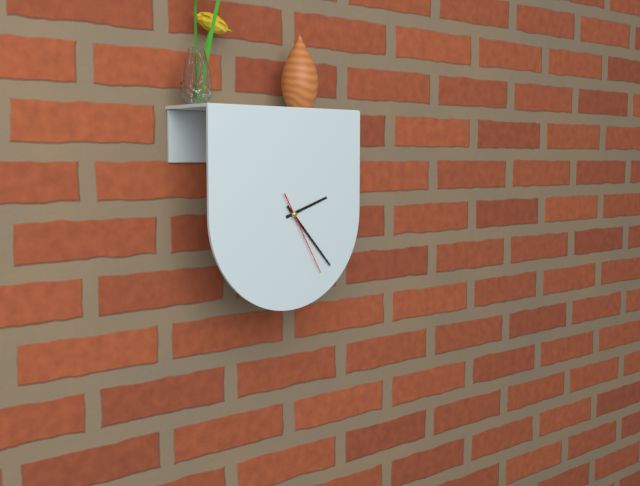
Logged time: 2:23:25
